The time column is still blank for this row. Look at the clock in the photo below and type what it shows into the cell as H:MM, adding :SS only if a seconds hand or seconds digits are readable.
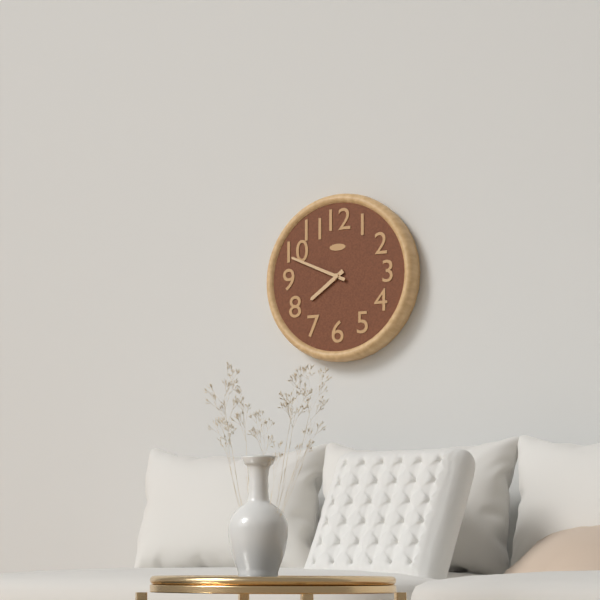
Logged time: 7:49
